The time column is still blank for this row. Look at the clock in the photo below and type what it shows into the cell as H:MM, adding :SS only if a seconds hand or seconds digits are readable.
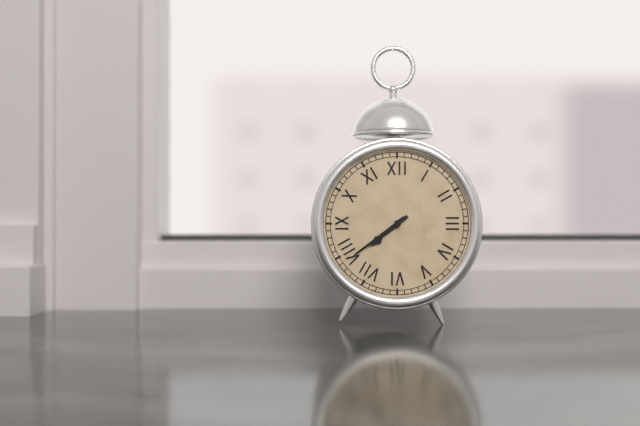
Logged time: 7:39
